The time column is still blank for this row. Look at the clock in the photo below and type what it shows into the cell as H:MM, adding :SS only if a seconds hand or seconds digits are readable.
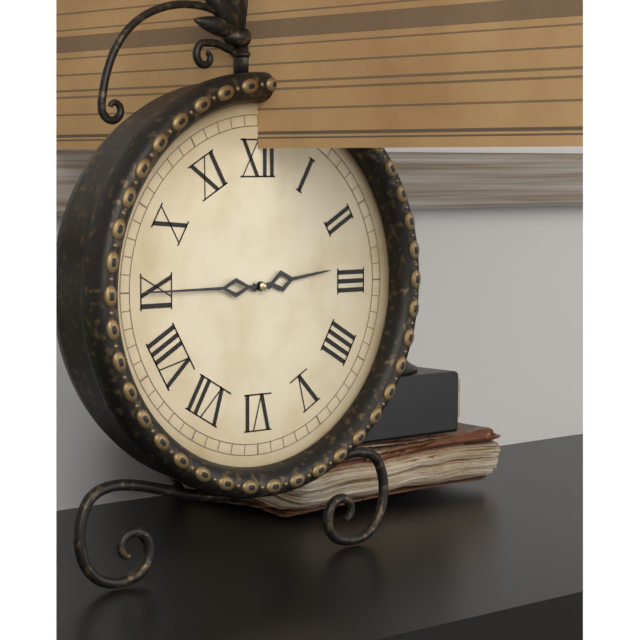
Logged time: 2:45
